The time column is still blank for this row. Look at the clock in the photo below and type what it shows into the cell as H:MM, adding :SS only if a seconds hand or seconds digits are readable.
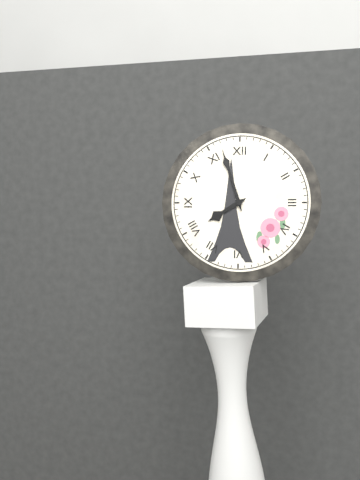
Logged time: 7:57
